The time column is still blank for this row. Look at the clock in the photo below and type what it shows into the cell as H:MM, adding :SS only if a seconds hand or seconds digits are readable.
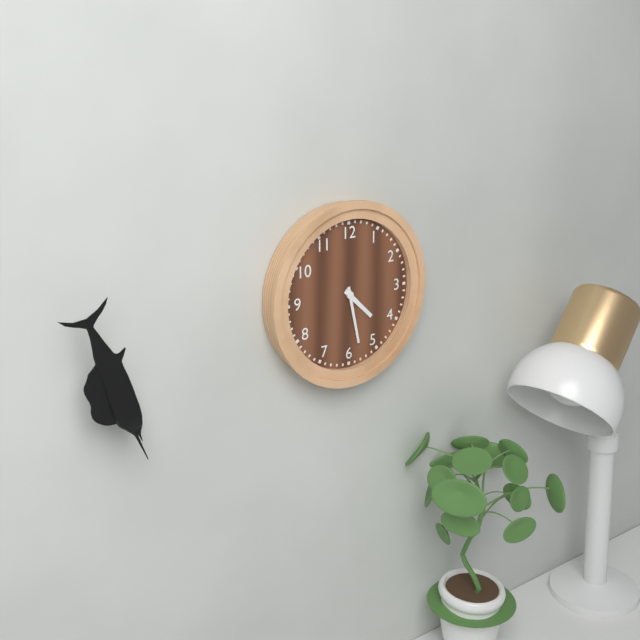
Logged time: 4:28
